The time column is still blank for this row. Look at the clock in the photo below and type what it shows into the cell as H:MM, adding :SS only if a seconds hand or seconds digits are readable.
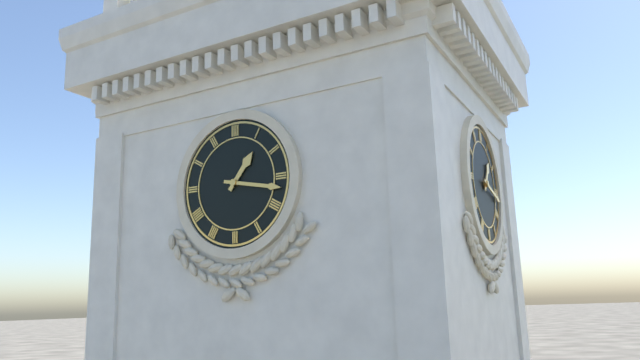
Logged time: 1:17
